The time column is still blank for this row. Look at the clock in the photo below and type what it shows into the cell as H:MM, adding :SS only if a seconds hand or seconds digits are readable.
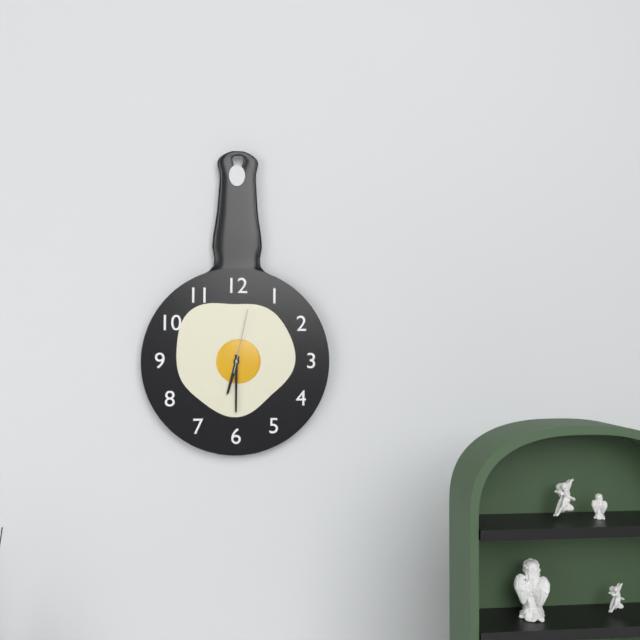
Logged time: 6:30:02
